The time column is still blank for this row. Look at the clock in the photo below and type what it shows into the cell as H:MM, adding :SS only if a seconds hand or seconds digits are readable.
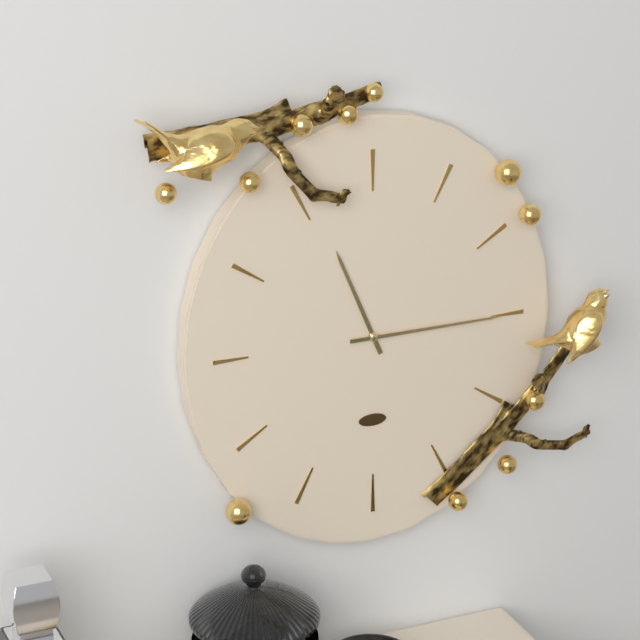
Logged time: 11:15
